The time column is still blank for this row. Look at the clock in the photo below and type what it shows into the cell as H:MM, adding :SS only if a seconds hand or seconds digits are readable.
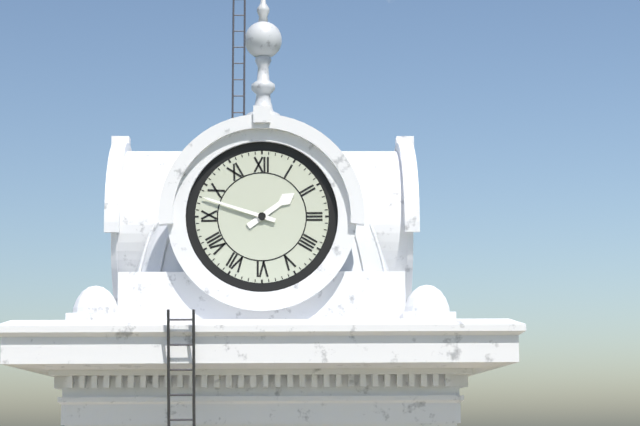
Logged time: 1:48
